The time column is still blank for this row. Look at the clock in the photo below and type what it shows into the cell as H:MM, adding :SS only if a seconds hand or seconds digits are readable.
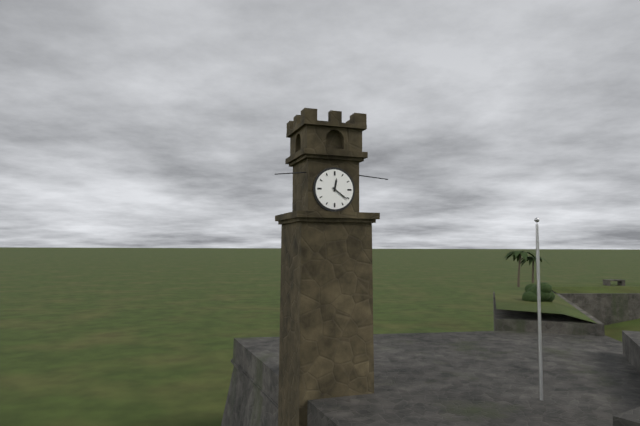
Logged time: 12:21
